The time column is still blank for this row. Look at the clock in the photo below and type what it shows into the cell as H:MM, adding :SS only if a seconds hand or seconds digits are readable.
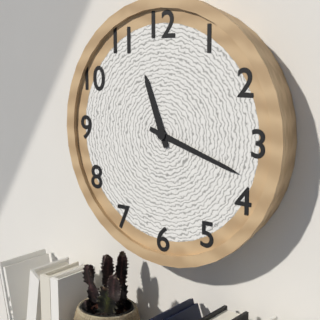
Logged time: 11:18
